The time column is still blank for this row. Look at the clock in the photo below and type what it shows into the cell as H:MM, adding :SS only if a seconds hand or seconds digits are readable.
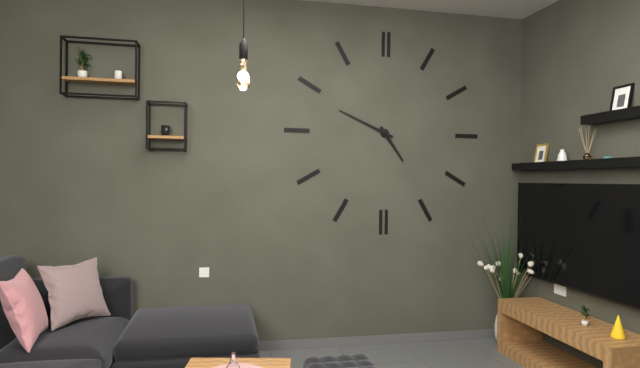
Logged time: 4:49
